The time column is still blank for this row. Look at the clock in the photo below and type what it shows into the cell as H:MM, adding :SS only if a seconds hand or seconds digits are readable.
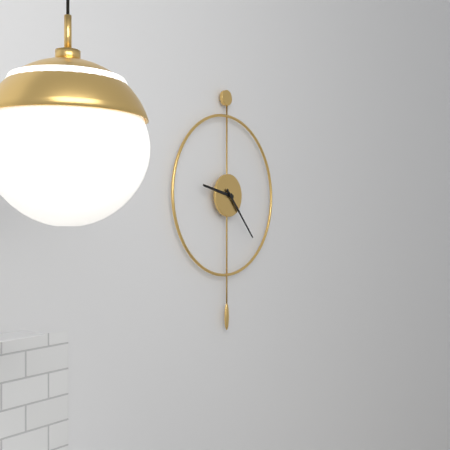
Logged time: 9:23
